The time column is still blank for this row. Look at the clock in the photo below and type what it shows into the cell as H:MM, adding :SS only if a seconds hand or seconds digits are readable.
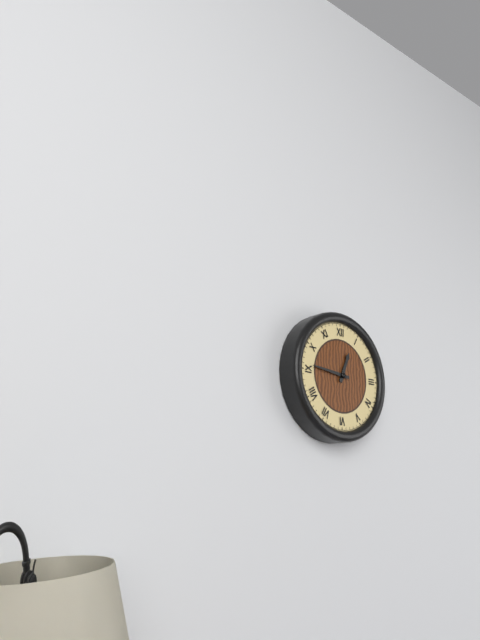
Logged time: 12:46
